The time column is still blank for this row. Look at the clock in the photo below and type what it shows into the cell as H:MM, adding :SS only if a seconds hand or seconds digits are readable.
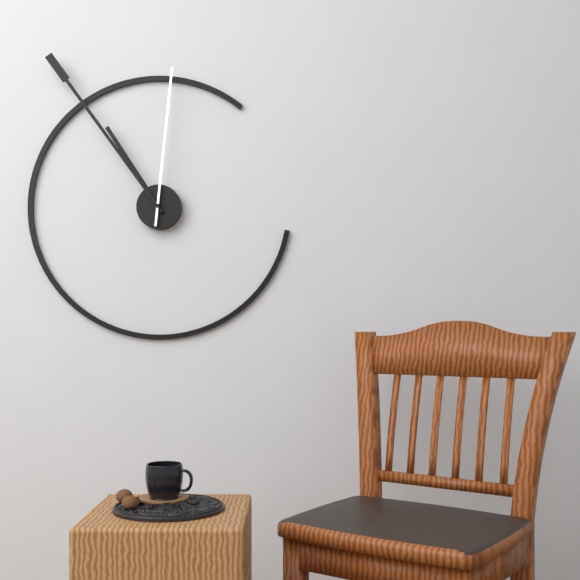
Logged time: 10:54:01
